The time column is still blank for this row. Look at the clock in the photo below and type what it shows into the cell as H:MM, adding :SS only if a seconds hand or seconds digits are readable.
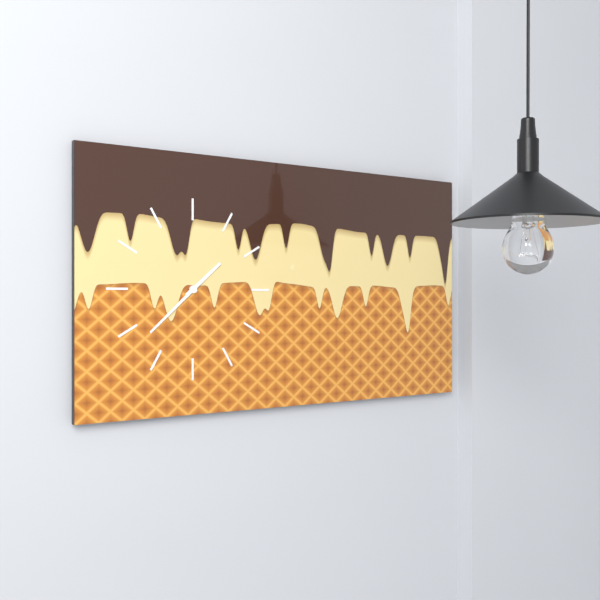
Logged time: 1:38
